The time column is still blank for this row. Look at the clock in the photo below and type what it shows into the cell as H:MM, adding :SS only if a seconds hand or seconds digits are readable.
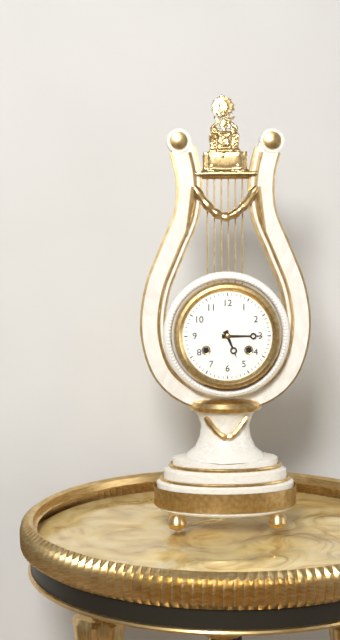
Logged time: 5:15
